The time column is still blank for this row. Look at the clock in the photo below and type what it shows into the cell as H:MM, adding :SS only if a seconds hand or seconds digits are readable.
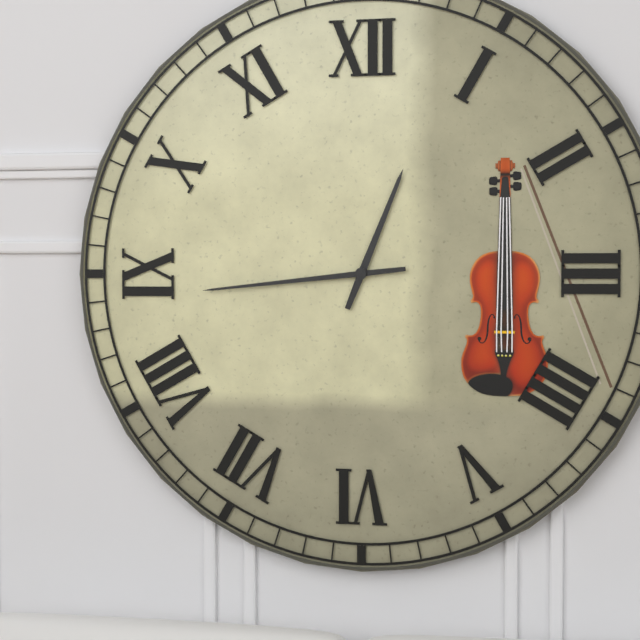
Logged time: 12:44
